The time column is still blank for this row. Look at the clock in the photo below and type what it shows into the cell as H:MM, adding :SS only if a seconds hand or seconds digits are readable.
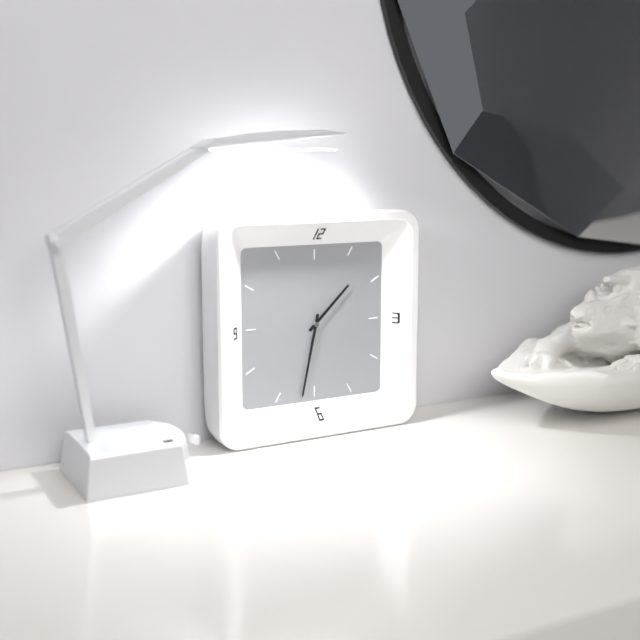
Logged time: 1:32
